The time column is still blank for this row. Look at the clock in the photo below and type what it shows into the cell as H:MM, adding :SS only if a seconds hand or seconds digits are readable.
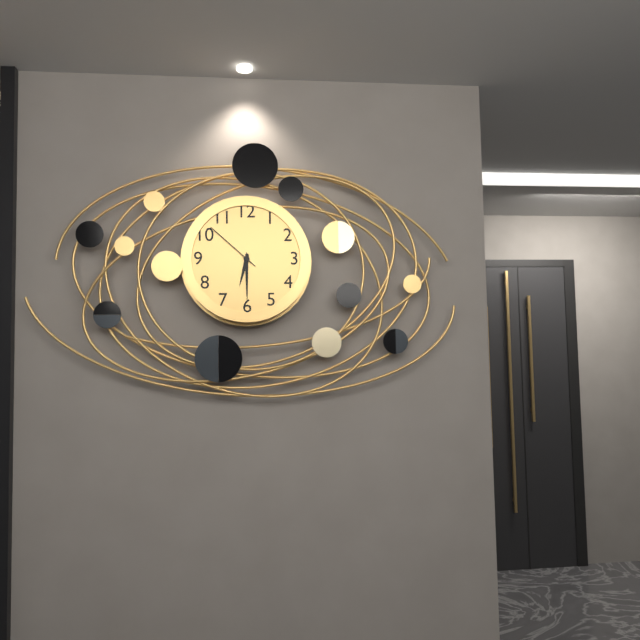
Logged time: 6:30:52
